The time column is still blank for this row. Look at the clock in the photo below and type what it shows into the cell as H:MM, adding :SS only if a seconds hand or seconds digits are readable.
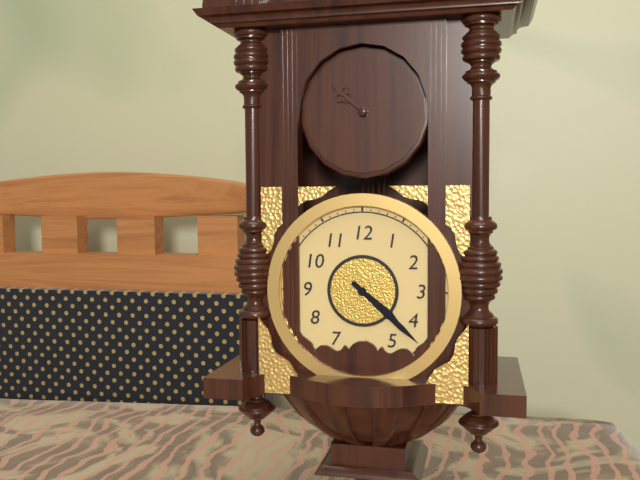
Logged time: 4:22
